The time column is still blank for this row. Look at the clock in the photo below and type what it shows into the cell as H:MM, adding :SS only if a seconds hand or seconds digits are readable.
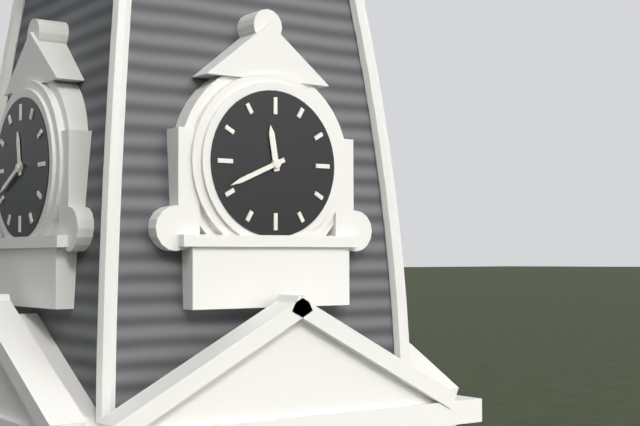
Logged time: 11:41
